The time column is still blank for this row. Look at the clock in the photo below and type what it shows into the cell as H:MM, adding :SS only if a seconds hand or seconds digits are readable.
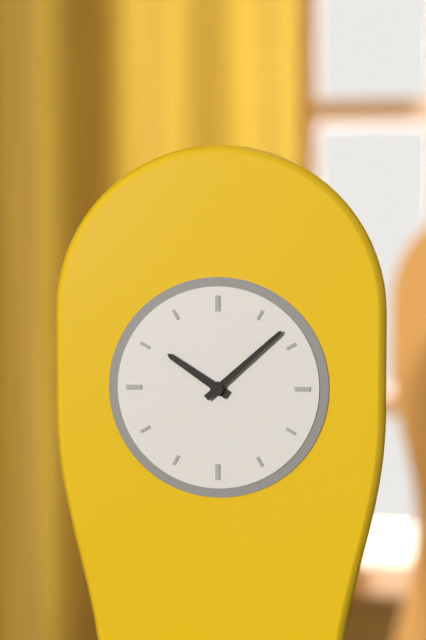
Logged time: 10:08
